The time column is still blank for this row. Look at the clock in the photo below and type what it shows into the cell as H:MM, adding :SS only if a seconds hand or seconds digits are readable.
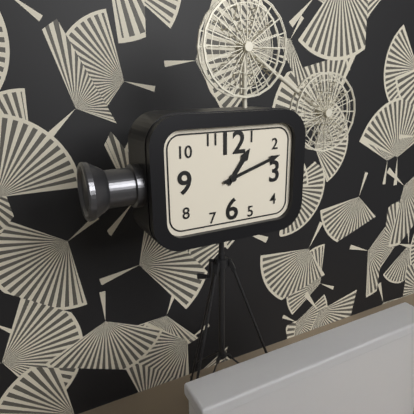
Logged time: 1:12
